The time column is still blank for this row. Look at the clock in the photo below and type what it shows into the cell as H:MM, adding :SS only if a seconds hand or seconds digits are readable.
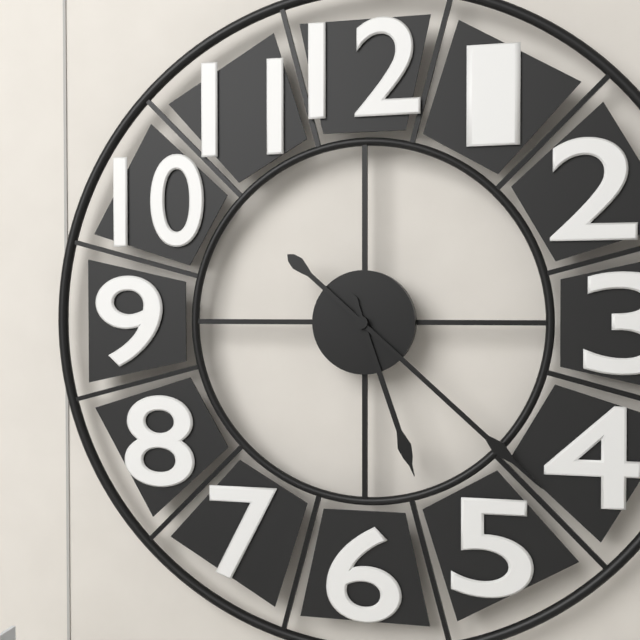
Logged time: 5:22
